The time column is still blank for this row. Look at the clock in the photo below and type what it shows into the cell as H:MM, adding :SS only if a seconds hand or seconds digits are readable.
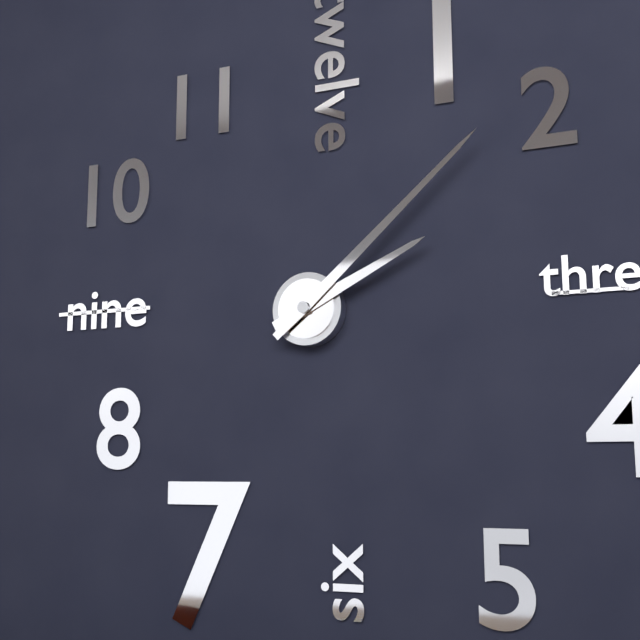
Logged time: 2:08
